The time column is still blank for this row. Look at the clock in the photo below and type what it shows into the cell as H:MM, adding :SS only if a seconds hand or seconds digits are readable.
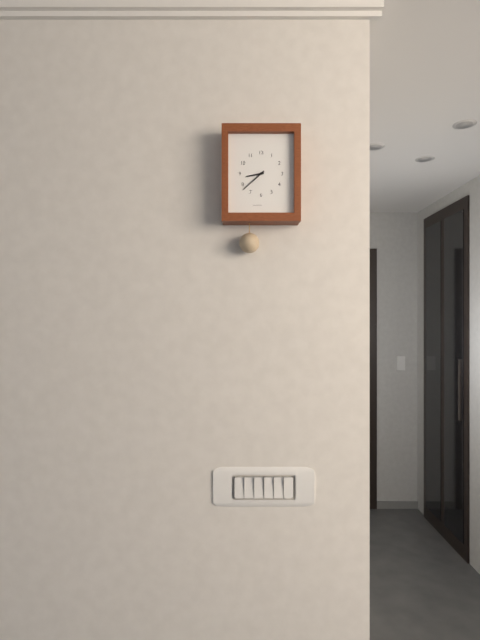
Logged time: 8:38
